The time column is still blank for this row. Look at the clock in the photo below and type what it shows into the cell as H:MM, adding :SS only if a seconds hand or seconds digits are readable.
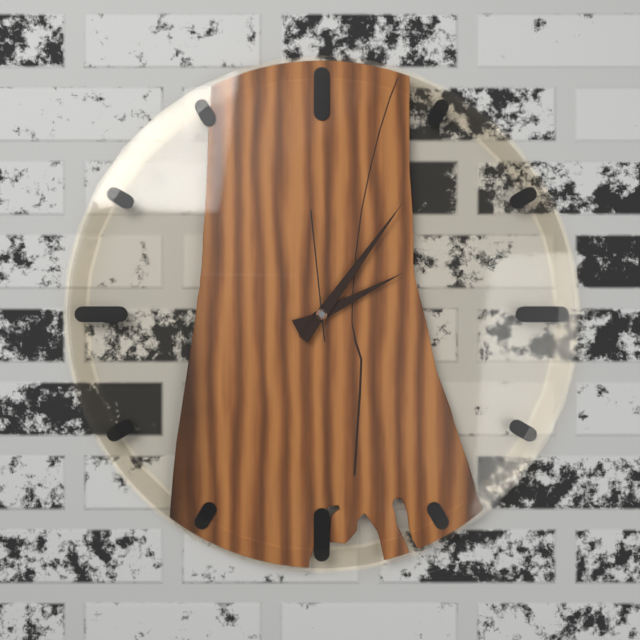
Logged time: 2:06:59
